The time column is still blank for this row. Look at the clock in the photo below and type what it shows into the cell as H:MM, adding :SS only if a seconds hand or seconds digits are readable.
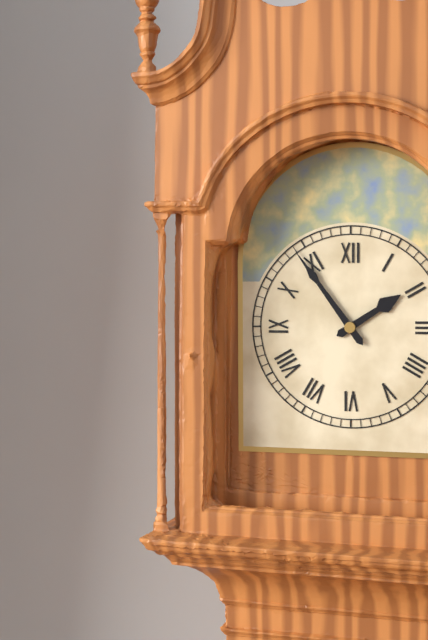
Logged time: 1:54
